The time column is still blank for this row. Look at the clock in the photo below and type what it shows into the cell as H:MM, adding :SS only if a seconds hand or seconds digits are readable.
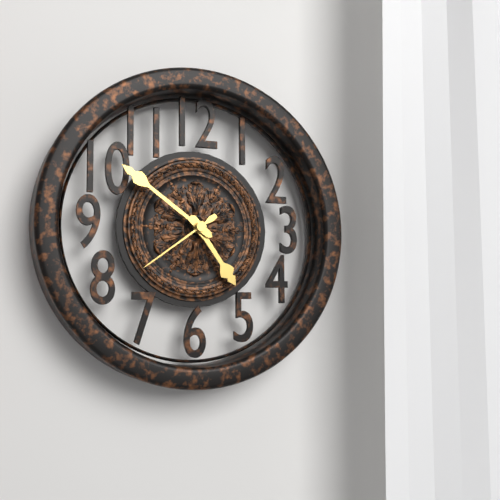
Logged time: 4:51:39
